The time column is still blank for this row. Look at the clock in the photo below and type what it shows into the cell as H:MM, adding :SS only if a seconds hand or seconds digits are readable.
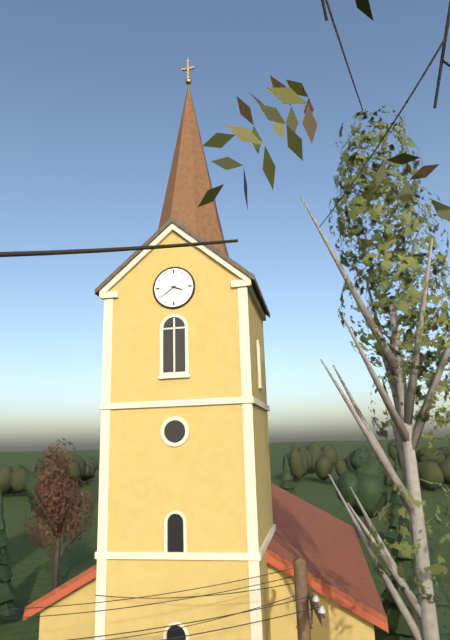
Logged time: 3:39
